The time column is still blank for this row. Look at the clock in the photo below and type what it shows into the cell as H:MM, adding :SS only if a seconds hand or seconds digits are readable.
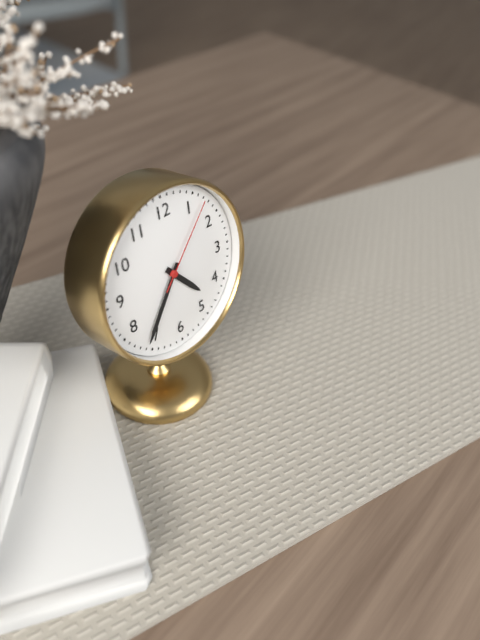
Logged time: 4:36:07
